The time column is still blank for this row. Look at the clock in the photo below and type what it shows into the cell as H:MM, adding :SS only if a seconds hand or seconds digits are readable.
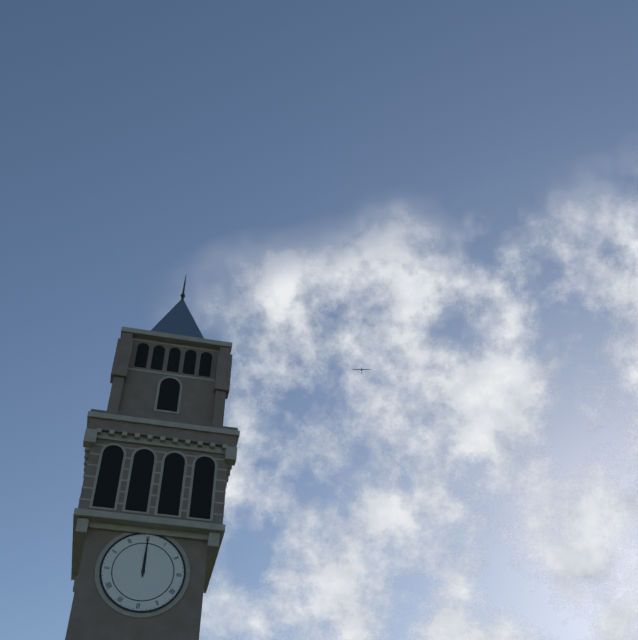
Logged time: 12:00
